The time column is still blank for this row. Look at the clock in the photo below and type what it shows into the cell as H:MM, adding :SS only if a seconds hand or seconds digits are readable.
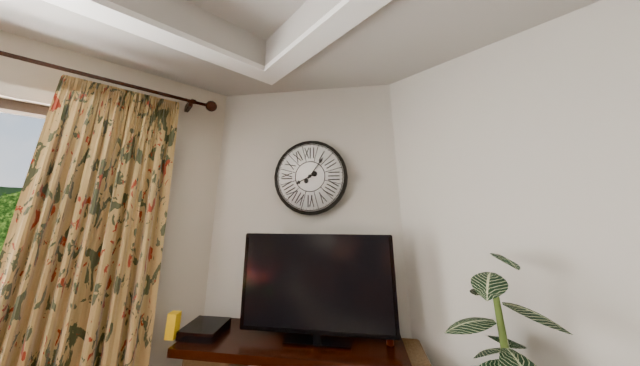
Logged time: 8:06
